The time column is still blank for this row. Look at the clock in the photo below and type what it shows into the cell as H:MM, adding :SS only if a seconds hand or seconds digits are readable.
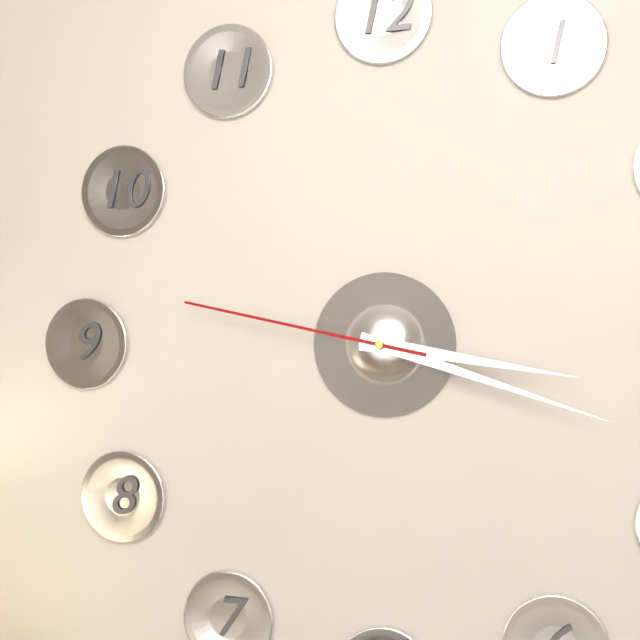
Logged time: 3:18:47
